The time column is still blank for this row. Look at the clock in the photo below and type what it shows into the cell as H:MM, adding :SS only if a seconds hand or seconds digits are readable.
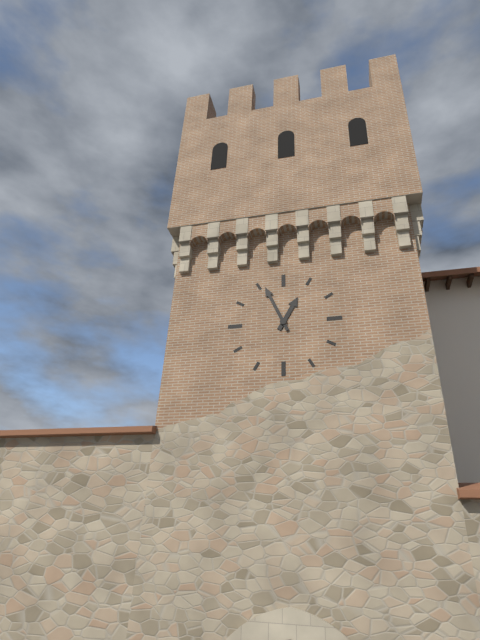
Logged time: 12:56
